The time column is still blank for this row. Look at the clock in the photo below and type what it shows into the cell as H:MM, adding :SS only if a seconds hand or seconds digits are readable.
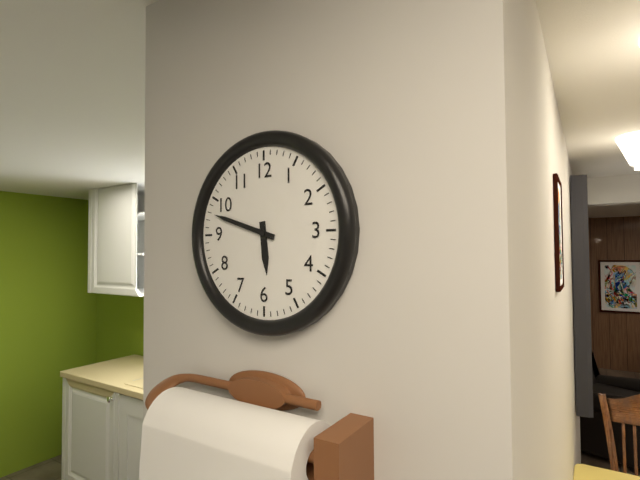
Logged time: 5:48
